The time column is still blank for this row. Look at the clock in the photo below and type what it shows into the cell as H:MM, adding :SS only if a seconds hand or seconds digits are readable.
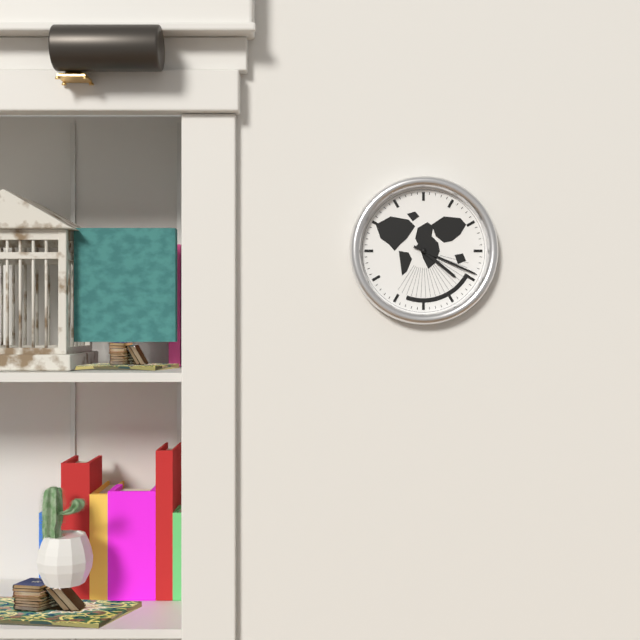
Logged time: 4:19
